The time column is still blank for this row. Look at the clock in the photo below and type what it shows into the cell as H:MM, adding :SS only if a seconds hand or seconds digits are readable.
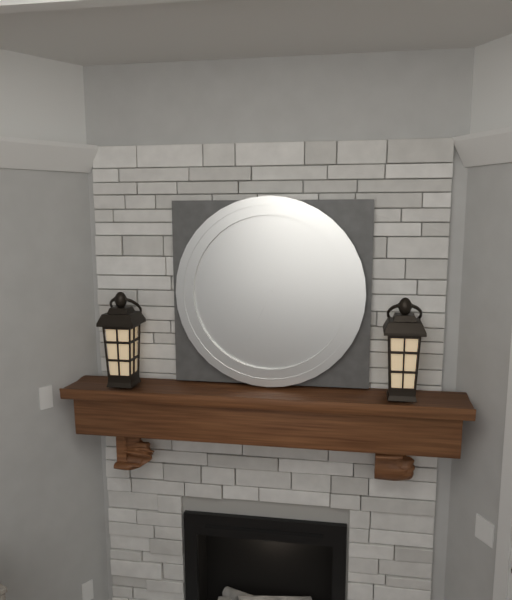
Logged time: 10:34
